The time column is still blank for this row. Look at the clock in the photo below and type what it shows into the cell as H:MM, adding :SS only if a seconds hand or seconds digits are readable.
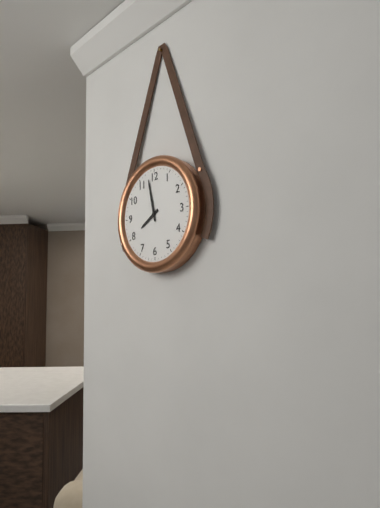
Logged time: 7:58
